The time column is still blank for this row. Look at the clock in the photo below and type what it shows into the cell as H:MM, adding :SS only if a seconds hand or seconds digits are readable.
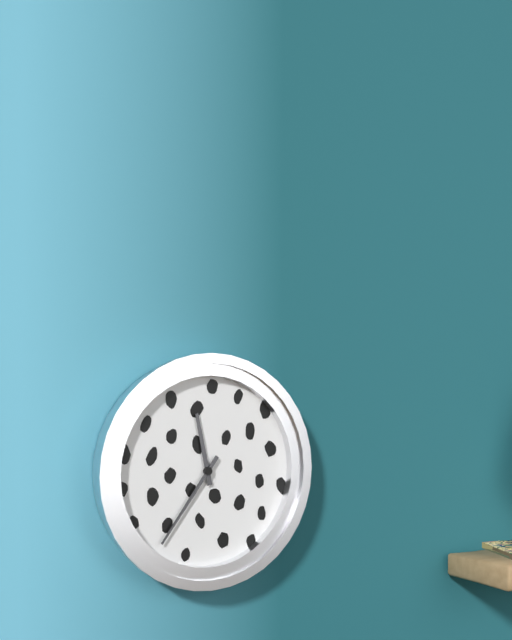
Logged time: 11:36
